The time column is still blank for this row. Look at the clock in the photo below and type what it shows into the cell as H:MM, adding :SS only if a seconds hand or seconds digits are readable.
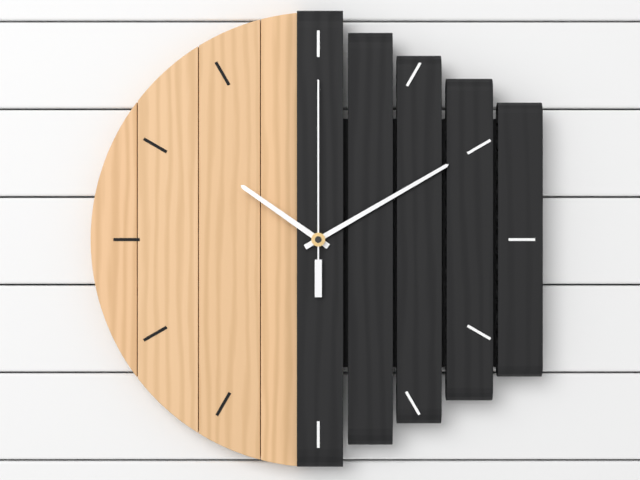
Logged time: 10:10:00
